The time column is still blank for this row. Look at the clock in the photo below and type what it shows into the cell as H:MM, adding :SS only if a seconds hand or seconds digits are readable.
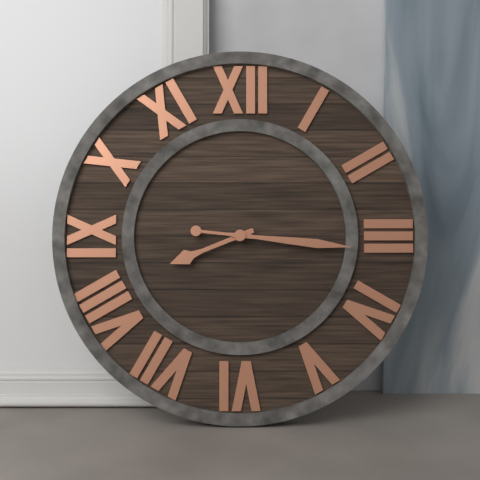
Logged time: 8:16
